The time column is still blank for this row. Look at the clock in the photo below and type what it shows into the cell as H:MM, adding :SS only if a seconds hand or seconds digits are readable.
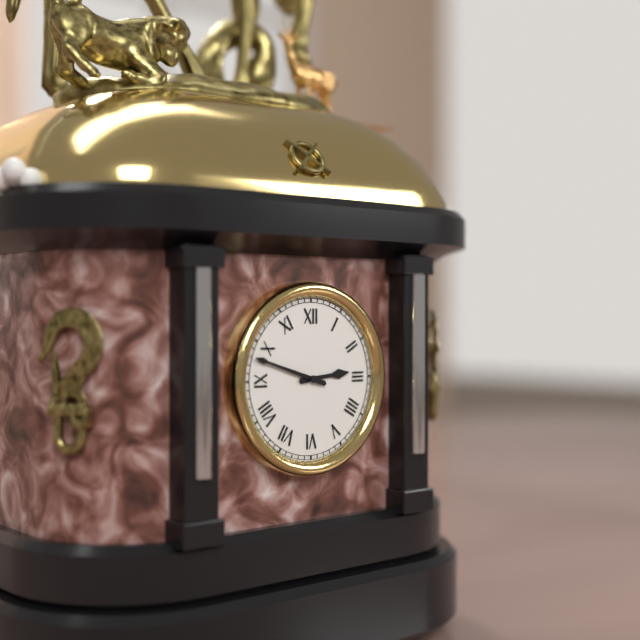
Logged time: 2:48
